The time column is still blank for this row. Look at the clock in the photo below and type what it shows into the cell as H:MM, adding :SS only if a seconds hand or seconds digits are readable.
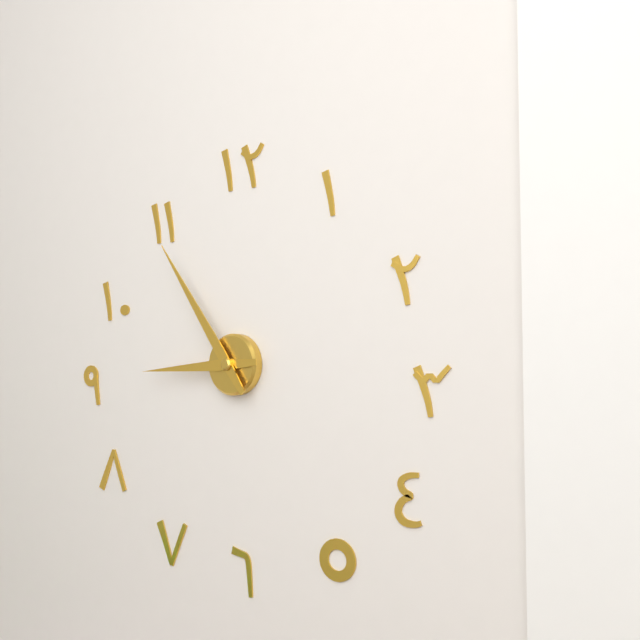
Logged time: 8:54
